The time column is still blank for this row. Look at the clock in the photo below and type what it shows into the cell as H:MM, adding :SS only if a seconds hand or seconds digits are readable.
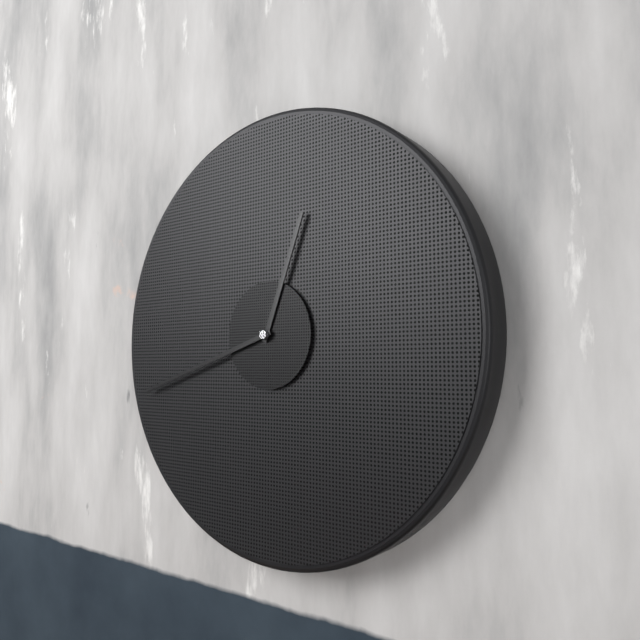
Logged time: 12:42
